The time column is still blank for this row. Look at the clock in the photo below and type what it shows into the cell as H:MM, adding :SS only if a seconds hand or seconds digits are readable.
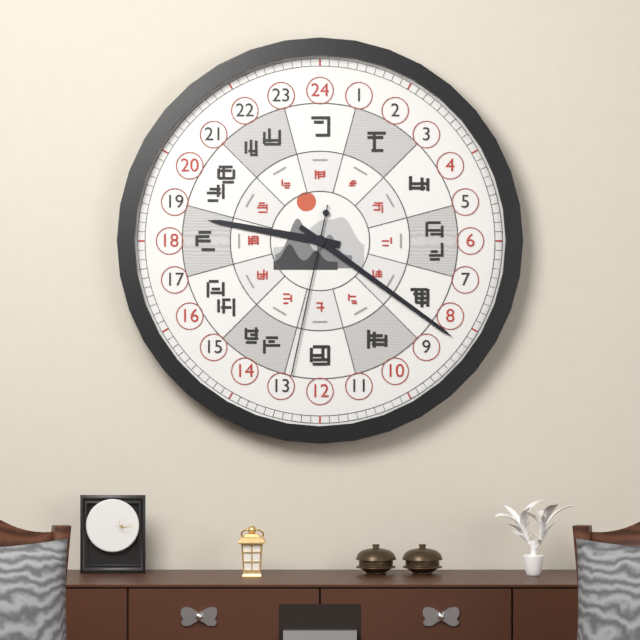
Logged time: 9:21:32
